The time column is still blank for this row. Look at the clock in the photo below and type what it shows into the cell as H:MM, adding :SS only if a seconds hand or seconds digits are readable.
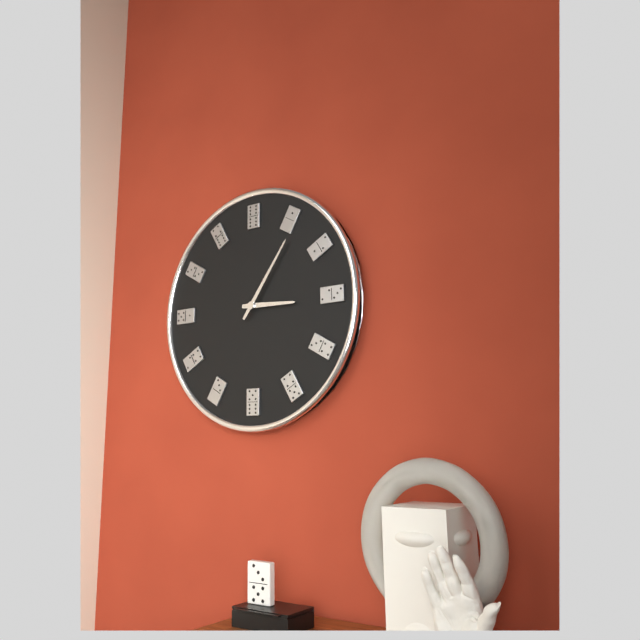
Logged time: 3:06
